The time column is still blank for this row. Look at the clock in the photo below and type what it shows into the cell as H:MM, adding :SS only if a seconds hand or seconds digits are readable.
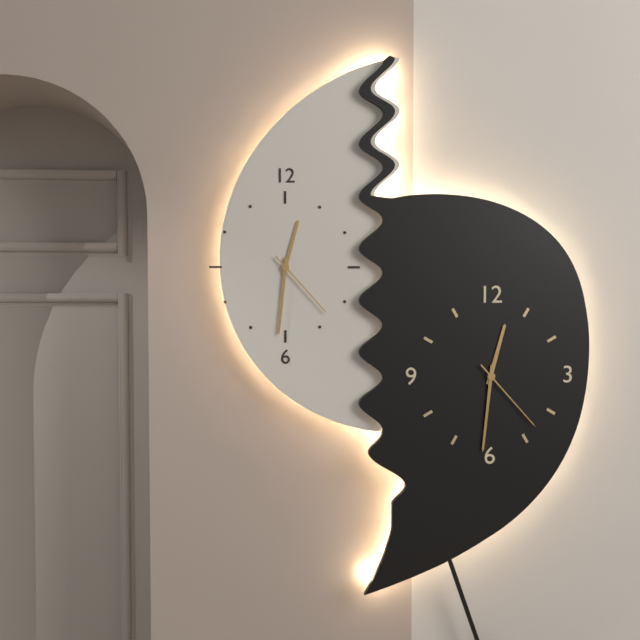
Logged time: 12:31:23
